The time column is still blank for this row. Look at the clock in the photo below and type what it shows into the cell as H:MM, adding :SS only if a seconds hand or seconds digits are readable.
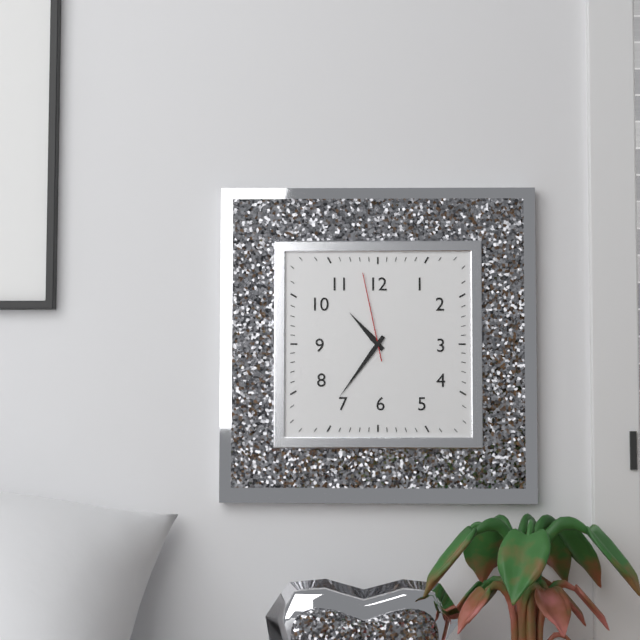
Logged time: 10:36:58
